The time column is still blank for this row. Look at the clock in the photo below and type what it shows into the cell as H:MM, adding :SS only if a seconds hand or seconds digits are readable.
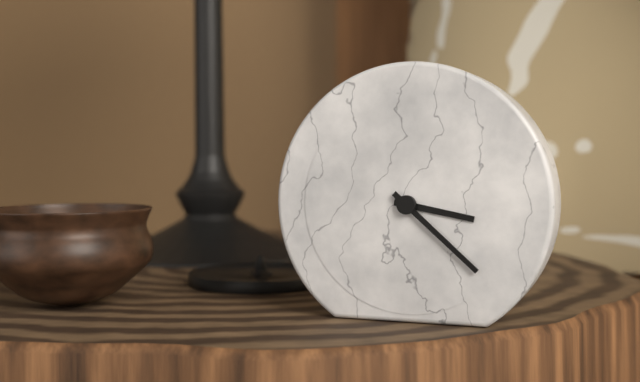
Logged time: 3:22
